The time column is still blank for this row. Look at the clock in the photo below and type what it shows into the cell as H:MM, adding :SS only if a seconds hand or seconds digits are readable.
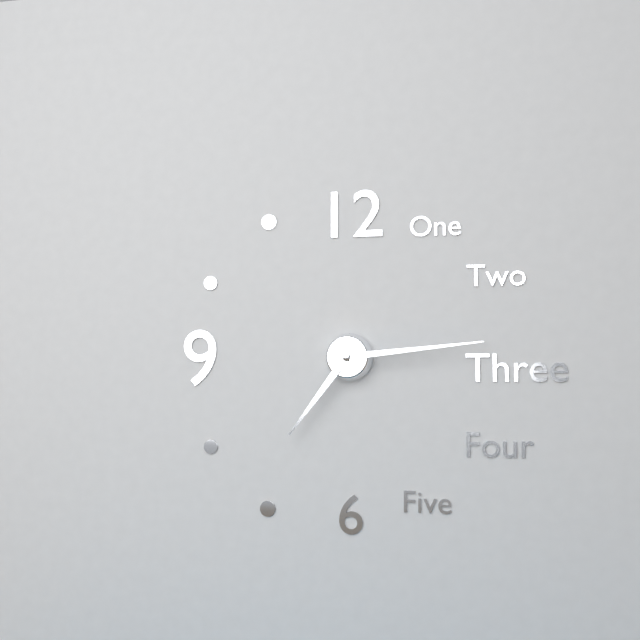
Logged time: 7:14
